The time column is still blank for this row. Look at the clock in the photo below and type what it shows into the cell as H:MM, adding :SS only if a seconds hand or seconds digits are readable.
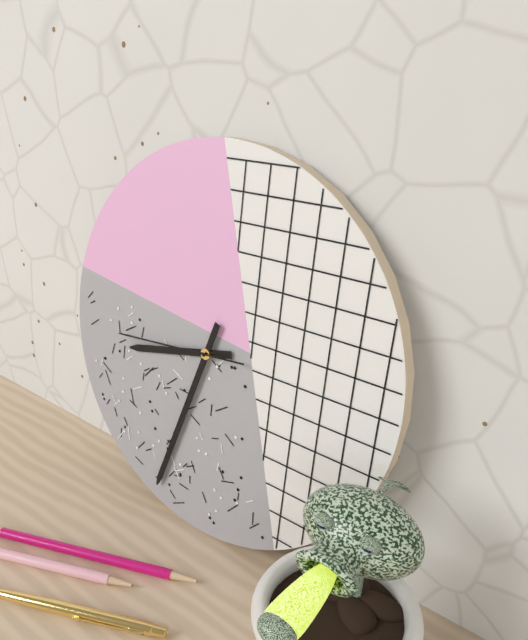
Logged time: 8:33:44
